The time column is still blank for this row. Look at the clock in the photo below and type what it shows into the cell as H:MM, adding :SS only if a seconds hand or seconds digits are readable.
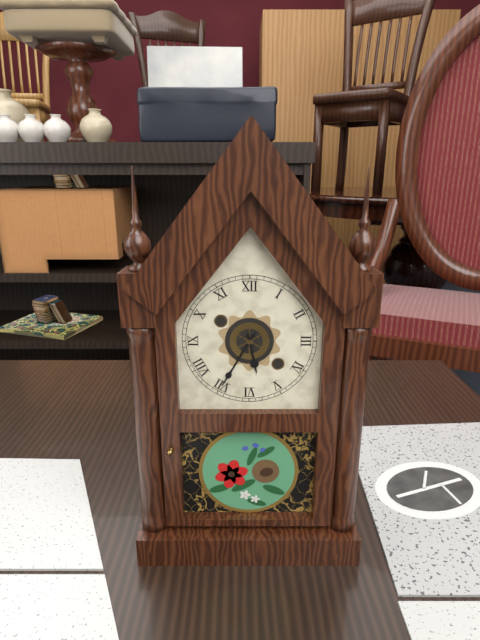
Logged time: 5:35
